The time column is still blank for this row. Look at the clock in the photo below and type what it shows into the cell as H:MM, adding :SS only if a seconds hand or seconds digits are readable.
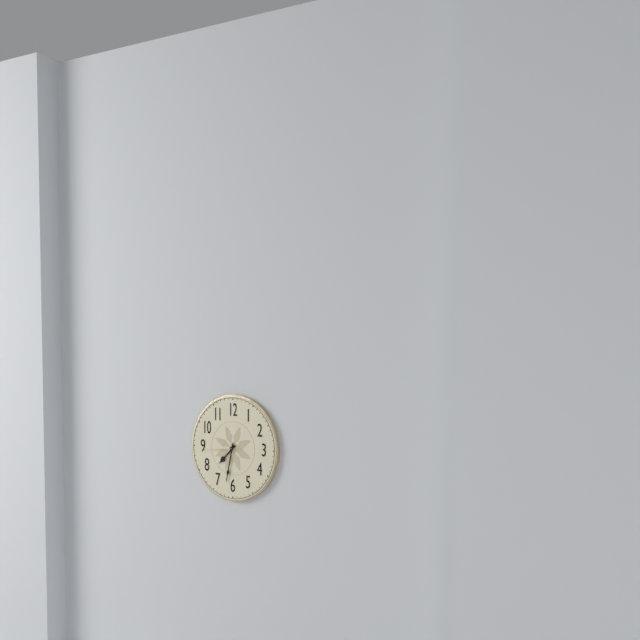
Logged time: 7:32
